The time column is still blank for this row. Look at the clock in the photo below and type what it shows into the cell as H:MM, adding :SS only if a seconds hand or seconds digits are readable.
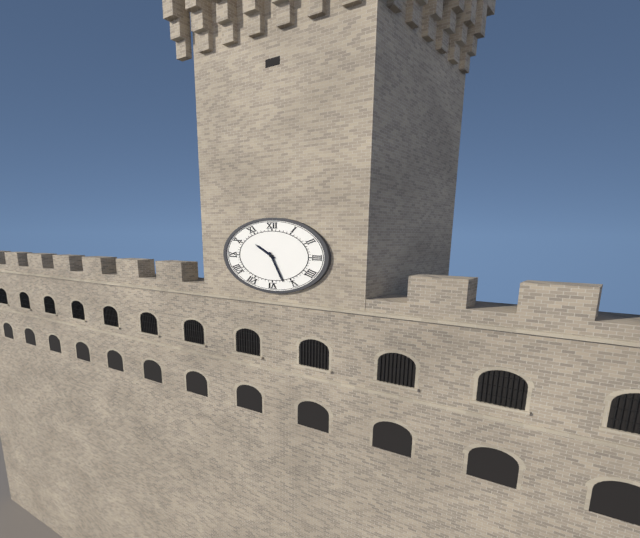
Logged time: 10:27
